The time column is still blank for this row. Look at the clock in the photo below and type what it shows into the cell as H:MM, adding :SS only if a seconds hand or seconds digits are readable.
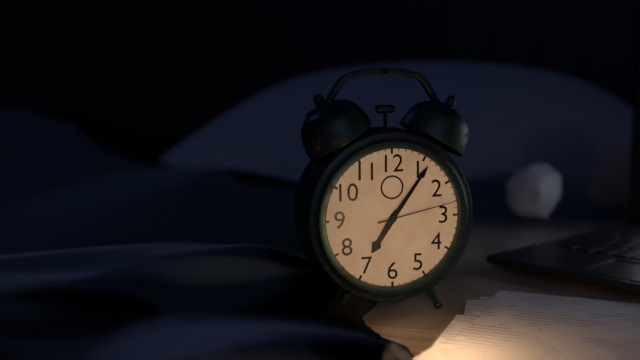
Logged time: 7:06:13
